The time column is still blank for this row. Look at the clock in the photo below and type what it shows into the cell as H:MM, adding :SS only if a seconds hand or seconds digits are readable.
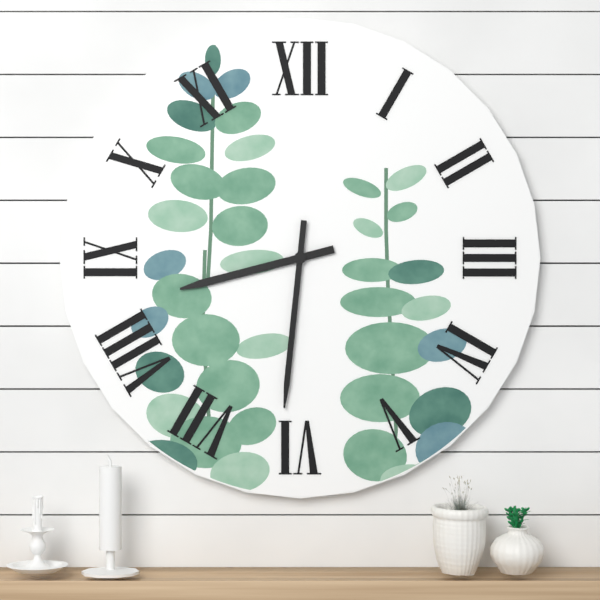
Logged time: 8:31
